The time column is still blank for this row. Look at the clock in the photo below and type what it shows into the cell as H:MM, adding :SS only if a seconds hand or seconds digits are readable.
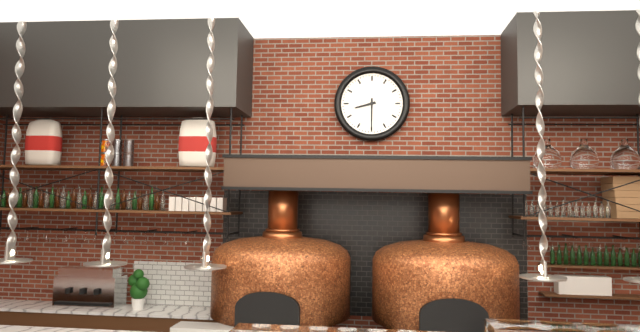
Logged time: 8:30
